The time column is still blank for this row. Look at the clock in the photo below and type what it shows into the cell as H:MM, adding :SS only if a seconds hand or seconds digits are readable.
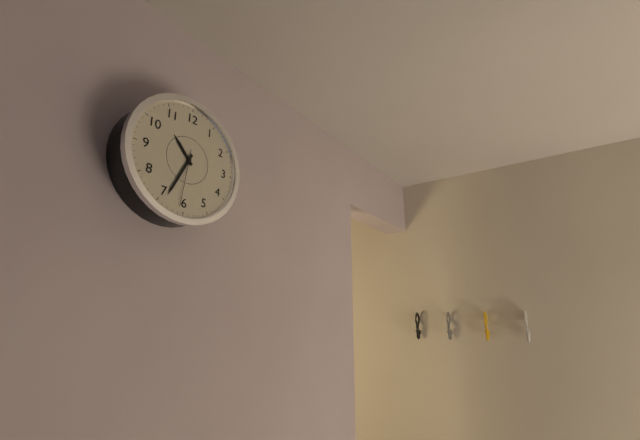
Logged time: 10:34:31
